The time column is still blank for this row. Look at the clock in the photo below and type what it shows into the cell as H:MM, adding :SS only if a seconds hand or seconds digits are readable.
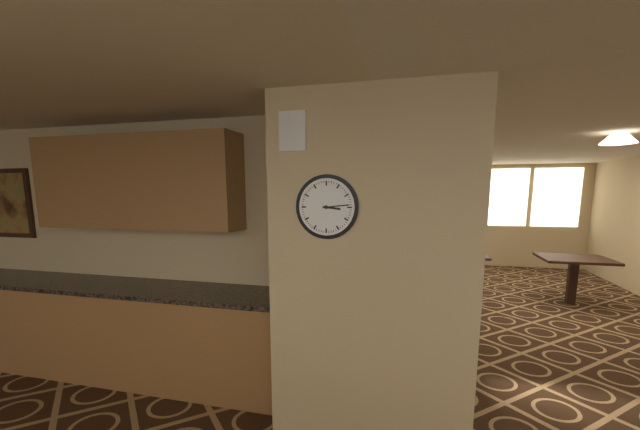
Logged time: 3:14
